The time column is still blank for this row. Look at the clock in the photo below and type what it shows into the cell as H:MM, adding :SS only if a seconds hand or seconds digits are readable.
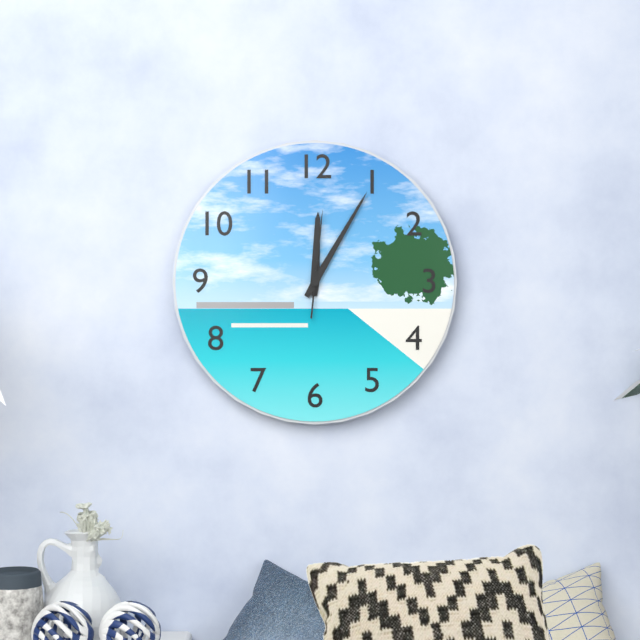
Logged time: 12:05:01
